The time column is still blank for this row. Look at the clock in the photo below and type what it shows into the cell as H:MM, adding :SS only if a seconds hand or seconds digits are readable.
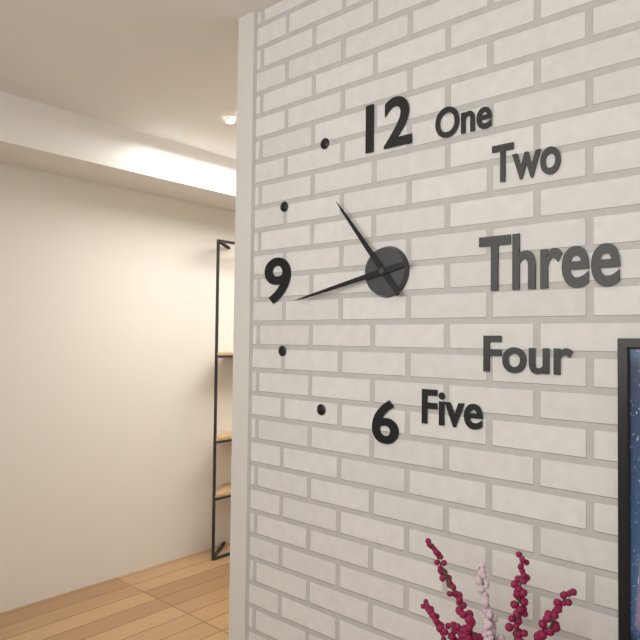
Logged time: 10:43
